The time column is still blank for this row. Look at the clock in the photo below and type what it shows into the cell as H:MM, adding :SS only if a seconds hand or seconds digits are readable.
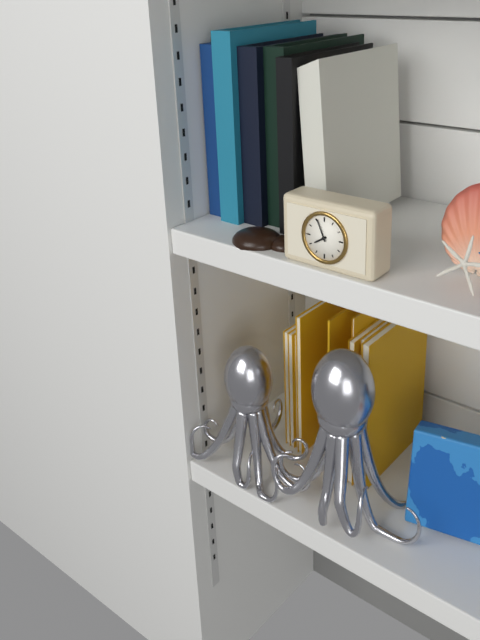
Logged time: 7:56
